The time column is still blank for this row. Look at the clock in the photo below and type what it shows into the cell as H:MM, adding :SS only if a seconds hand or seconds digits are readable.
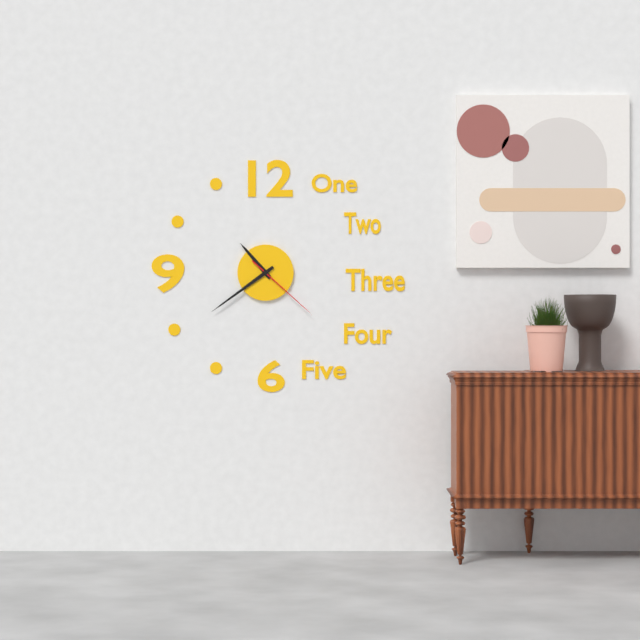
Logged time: 10:39:22
